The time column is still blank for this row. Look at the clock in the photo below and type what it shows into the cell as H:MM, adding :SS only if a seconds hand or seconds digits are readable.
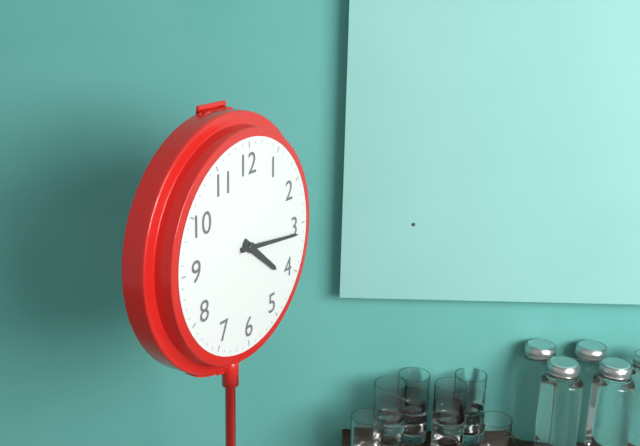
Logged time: 4:16
